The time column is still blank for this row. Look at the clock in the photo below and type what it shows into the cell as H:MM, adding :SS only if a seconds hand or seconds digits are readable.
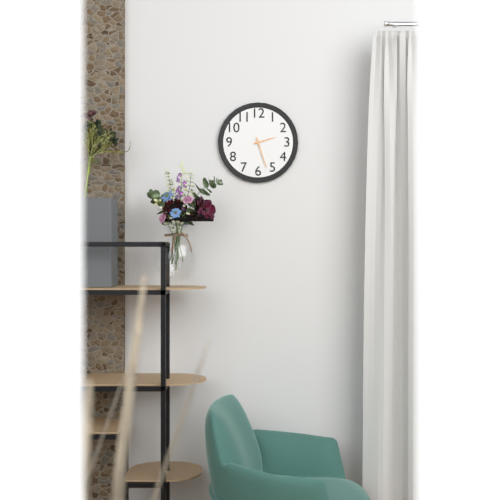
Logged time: 2:27
